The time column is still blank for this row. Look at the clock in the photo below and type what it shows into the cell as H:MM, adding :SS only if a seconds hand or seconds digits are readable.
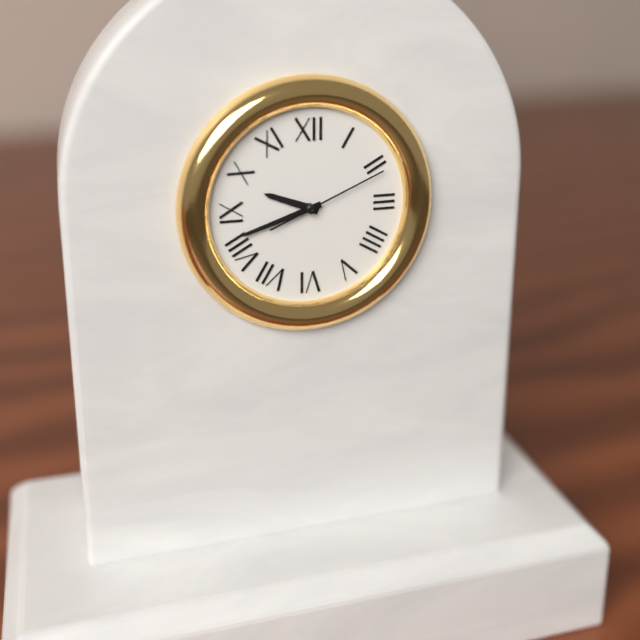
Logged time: 9:42:11
